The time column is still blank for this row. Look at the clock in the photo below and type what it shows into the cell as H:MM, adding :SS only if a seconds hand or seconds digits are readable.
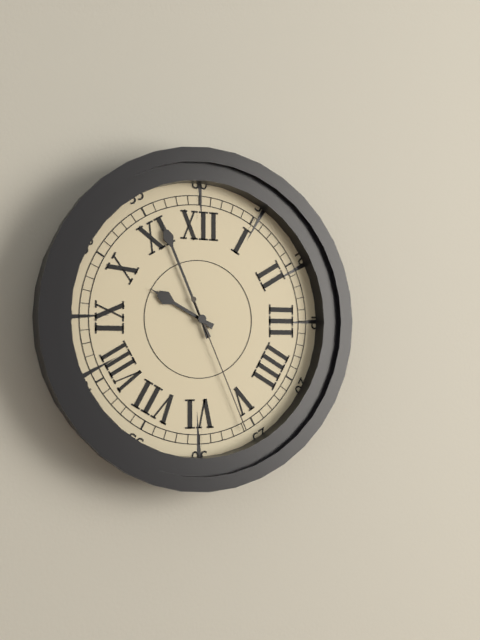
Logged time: 9:56:26
